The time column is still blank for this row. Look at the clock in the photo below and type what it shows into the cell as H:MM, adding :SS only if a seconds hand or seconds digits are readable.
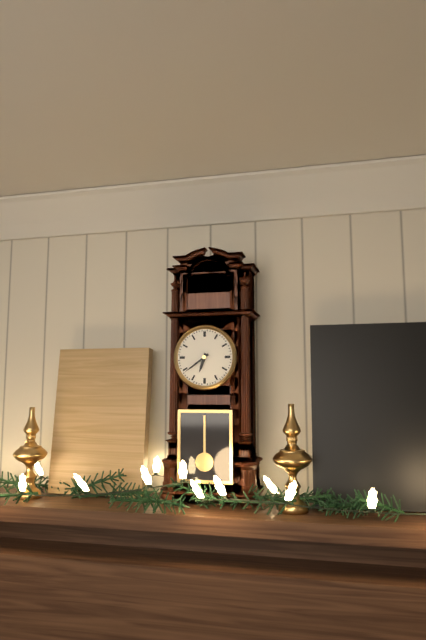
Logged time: 6:39
